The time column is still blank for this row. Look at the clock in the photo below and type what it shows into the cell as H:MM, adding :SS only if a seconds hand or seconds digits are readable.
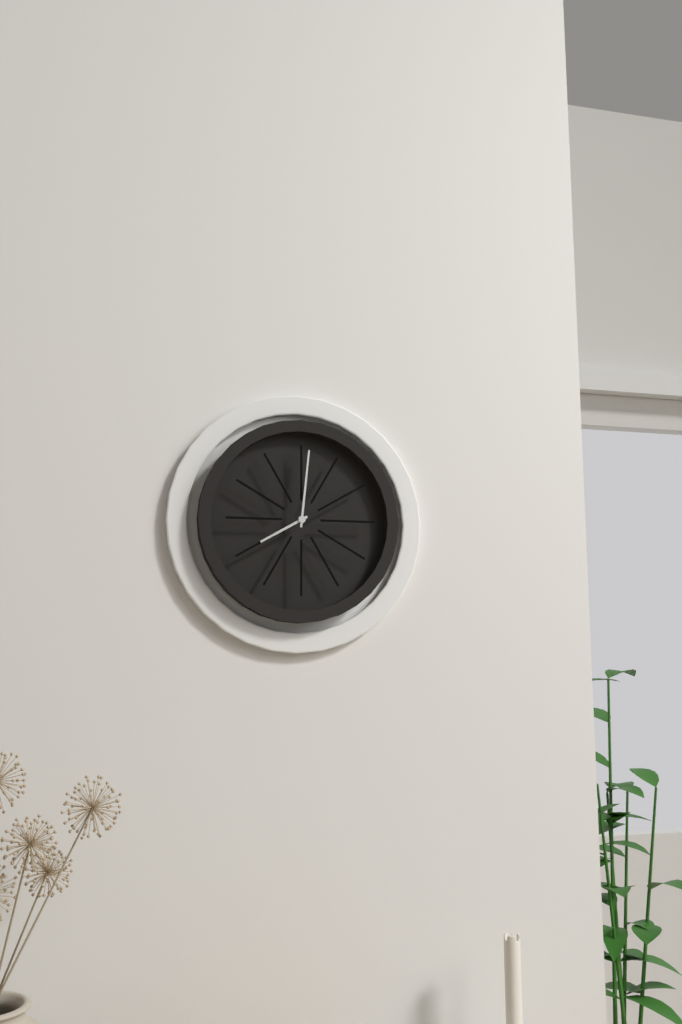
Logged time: 8:01
